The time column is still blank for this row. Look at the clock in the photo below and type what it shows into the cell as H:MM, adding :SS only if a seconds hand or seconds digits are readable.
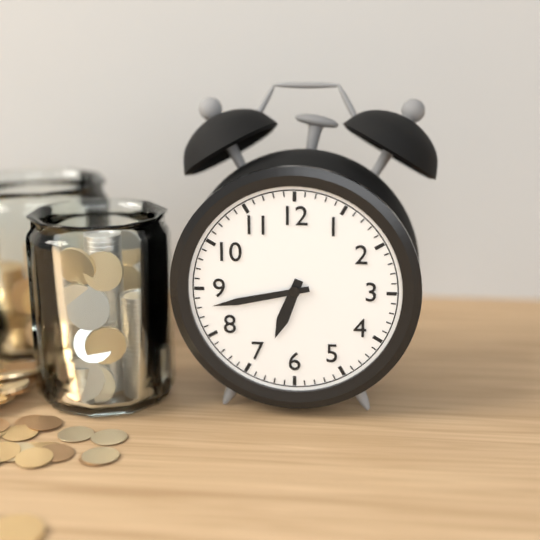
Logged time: 6:43
